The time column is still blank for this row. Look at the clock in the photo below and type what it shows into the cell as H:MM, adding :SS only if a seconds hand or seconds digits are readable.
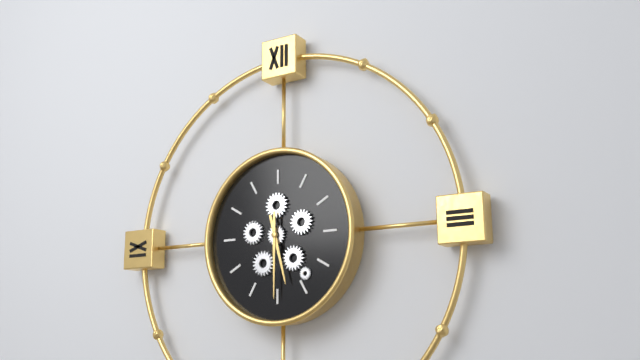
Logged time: 5:30
